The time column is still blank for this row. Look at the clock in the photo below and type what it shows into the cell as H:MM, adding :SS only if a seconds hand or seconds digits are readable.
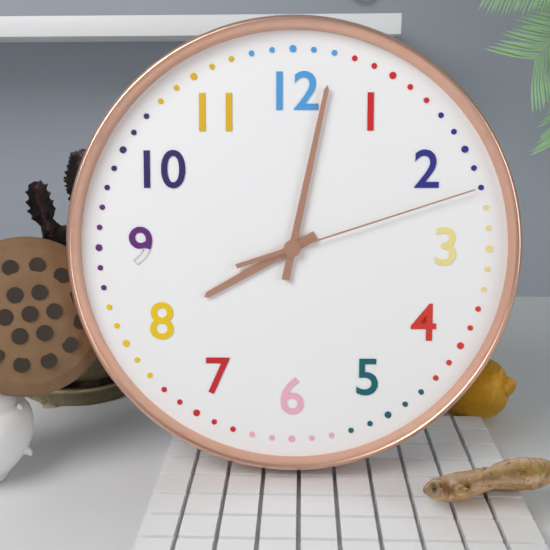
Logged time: 8:02:12
